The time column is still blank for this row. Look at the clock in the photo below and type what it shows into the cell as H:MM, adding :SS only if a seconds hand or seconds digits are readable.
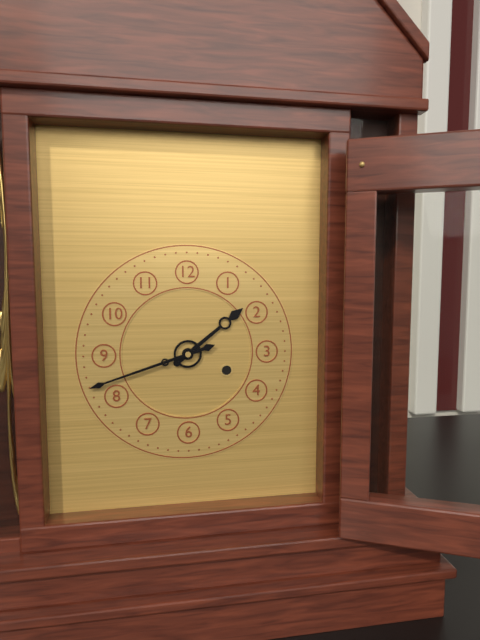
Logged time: 1:42
